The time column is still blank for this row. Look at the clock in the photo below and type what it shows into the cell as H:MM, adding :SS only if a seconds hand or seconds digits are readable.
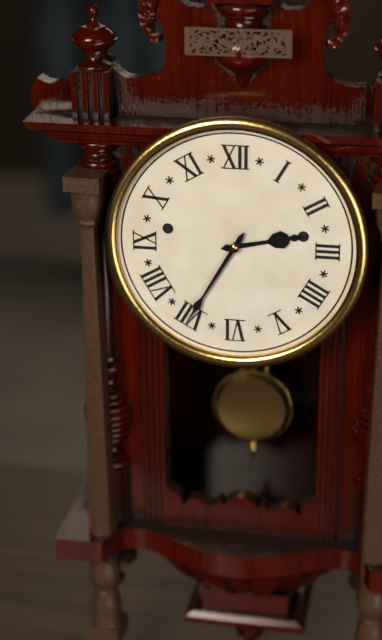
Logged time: 2:35
